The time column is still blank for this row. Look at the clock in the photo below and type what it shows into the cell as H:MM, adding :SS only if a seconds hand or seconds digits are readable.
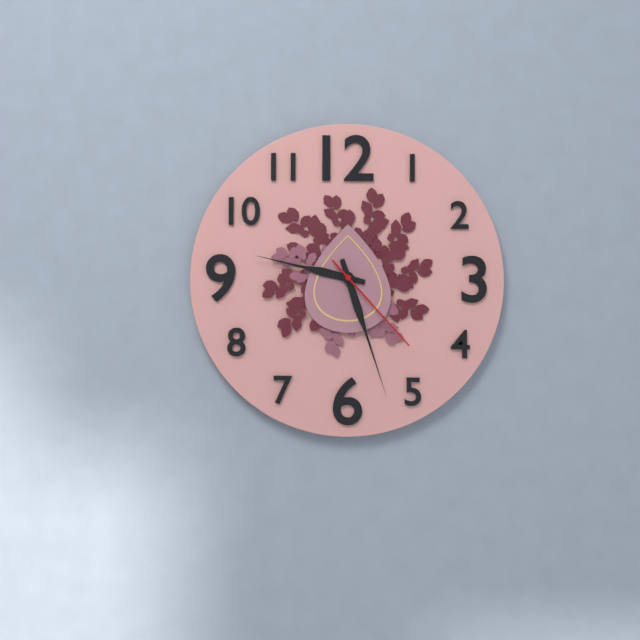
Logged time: 9:27:23
